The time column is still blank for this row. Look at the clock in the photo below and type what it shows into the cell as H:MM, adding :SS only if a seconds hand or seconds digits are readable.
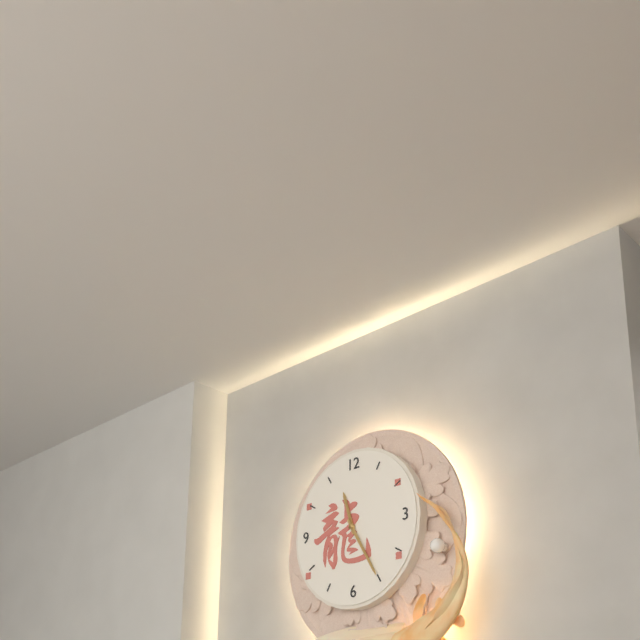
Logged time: 11:25
